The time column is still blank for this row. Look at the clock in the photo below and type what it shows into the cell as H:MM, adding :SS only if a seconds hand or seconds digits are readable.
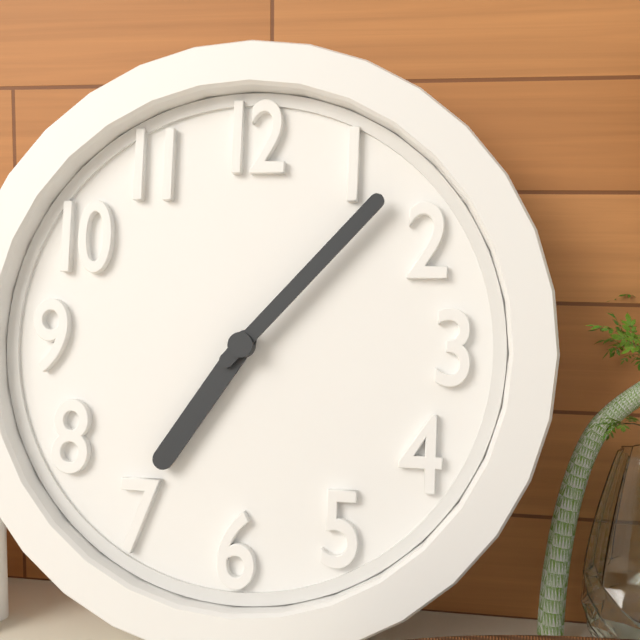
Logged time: 7:07
